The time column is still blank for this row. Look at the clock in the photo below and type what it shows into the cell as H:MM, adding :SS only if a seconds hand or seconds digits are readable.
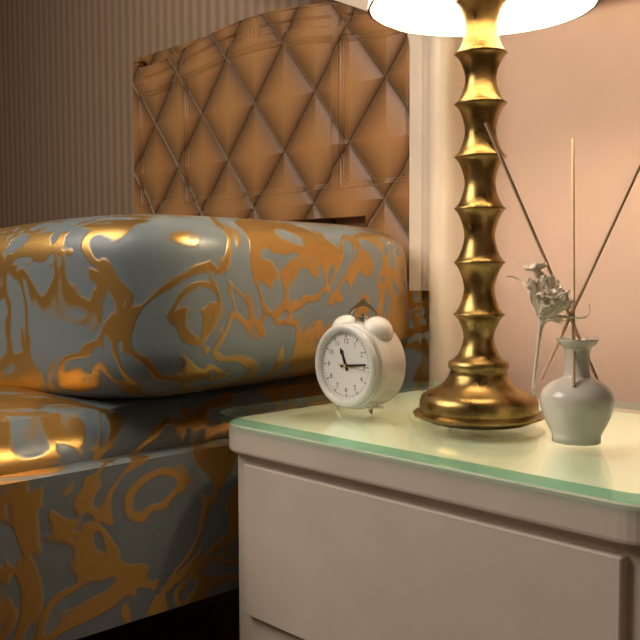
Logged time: 11:14
